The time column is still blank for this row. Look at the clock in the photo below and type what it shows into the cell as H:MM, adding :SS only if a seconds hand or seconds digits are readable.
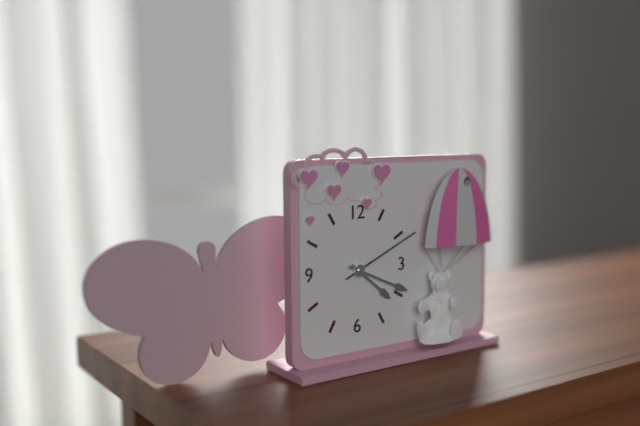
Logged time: 4:19:11
